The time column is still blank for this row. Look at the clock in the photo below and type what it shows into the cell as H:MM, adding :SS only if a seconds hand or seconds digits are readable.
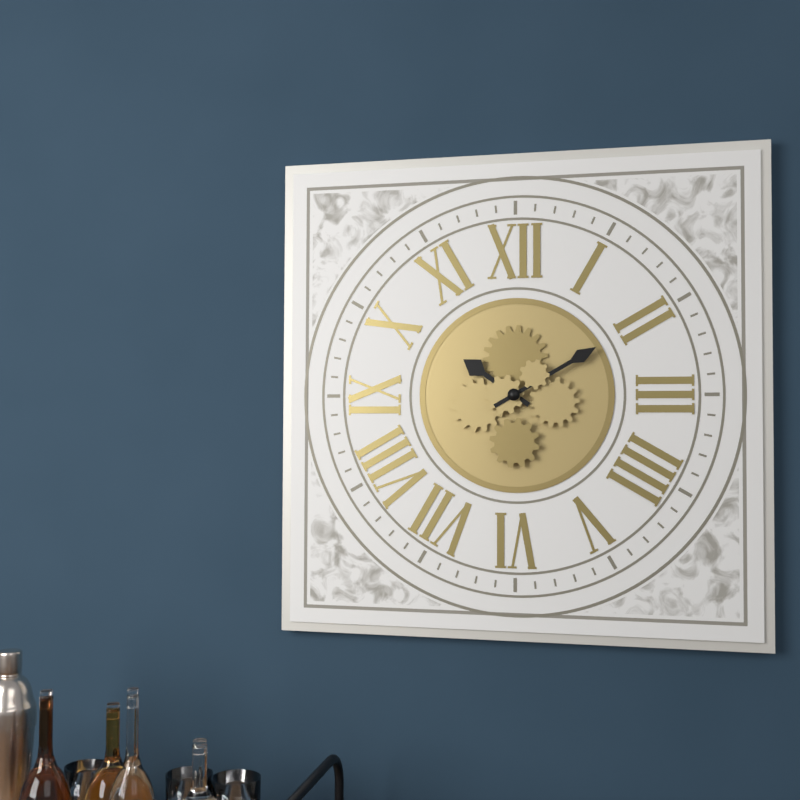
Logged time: 10:10
